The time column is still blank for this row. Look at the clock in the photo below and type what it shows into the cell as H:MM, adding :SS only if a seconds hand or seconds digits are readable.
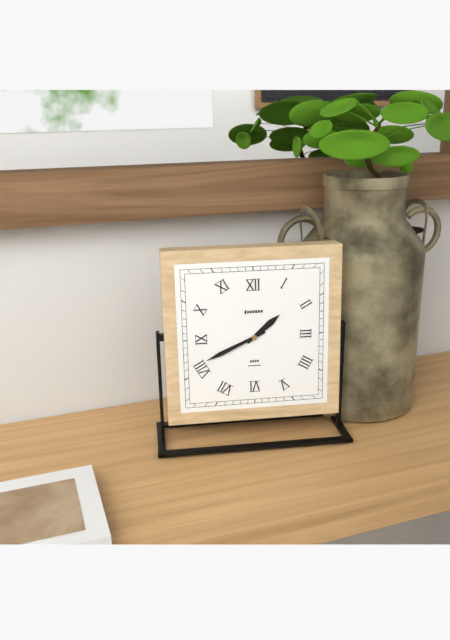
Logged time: 1:41
